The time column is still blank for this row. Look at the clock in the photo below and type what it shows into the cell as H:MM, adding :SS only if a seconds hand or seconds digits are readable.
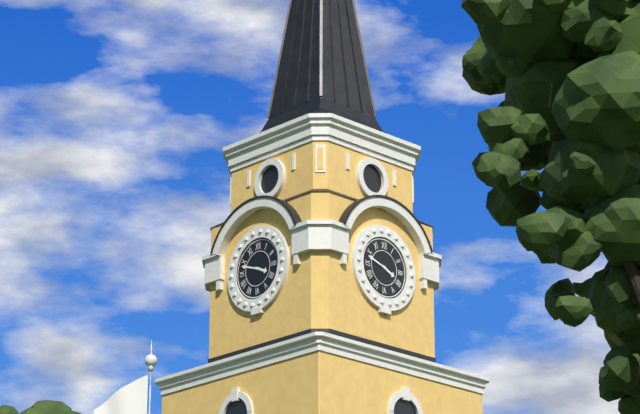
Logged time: 3:48
